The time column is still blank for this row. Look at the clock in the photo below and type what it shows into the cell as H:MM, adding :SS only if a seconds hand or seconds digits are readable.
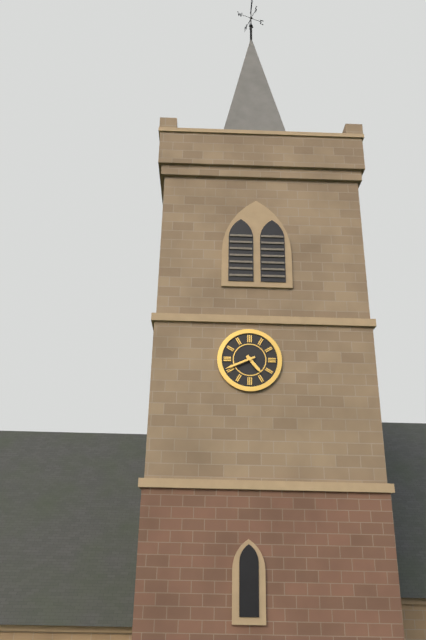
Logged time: 4:41
